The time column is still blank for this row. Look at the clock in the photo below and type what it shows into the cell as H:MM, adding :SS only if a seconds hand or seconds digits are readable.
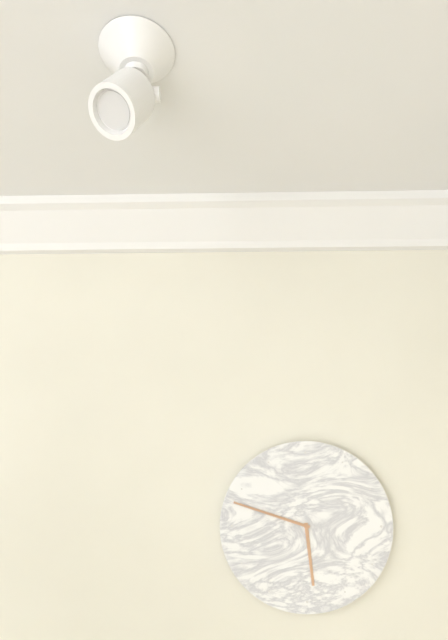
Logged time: 5:48
